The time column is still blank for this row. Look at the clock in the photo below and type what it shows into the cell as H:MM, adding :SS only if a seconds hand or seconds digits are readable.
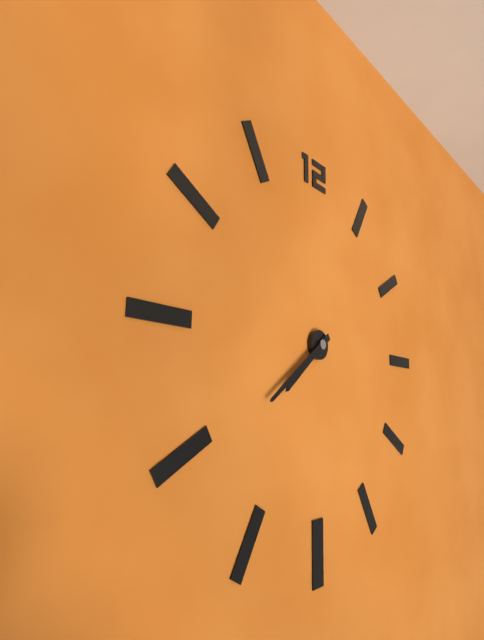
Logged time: 7:39
